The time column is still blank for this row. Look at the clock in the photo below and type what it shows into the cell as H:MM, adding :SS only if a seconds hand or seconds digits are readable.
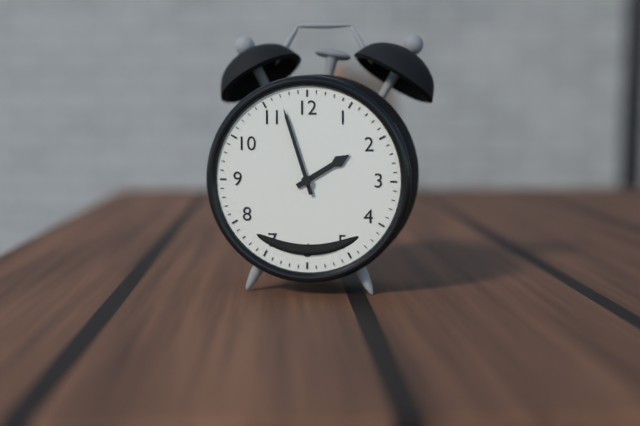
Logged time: 1:57
